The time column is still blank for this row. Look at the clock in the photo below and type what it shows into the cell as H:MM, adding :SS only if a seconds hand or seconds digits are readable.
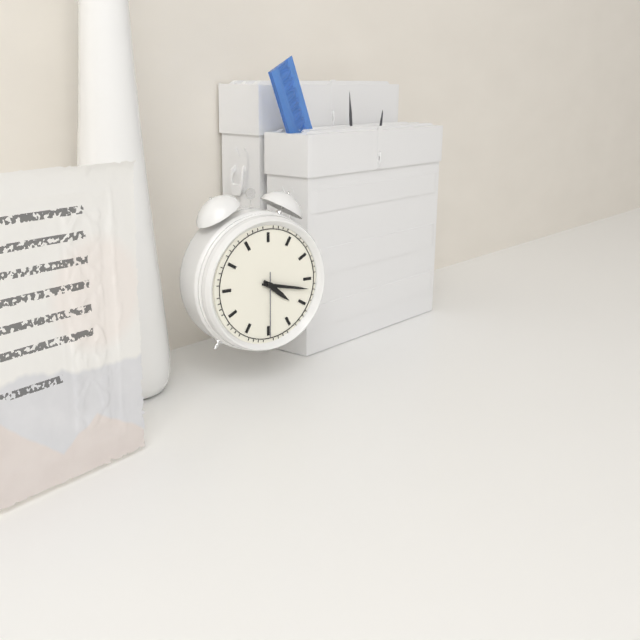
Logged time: 4:17:30
